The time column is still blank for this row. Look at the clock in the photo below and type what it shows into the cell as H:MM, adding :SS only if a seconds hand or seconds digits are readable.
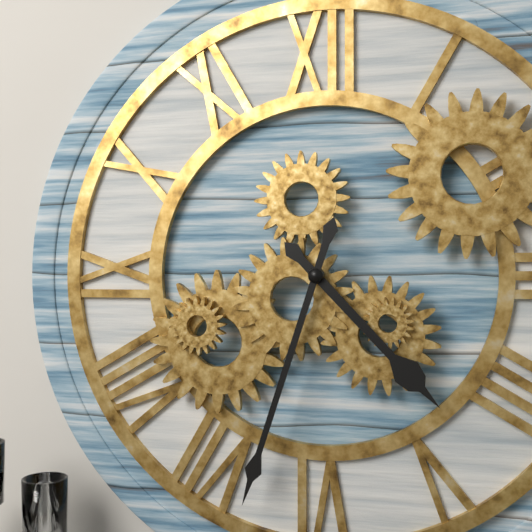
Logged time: 4:33
